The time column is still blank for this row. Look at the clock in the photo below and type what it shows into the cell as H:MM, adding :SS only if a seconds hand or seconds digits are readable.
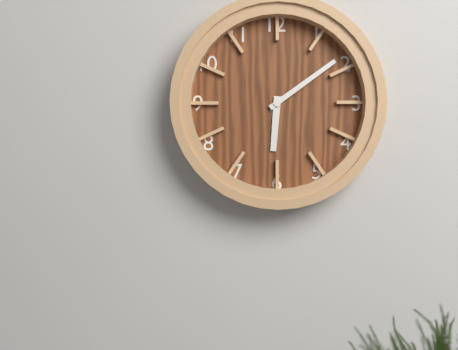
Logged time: 6:09
